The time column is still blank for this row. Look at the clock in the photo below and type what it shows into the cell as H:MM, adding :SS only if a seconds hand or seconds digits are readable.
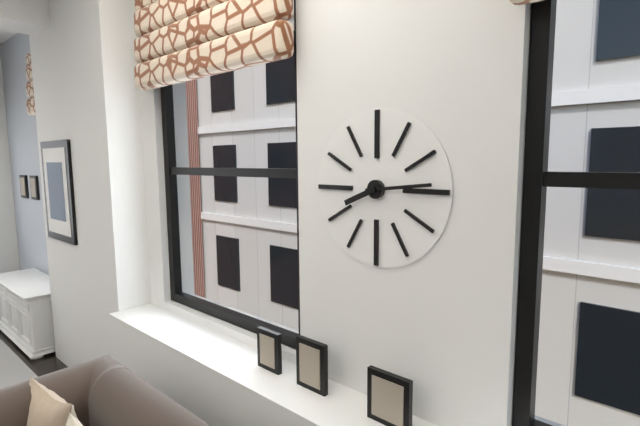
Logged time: 8:14
